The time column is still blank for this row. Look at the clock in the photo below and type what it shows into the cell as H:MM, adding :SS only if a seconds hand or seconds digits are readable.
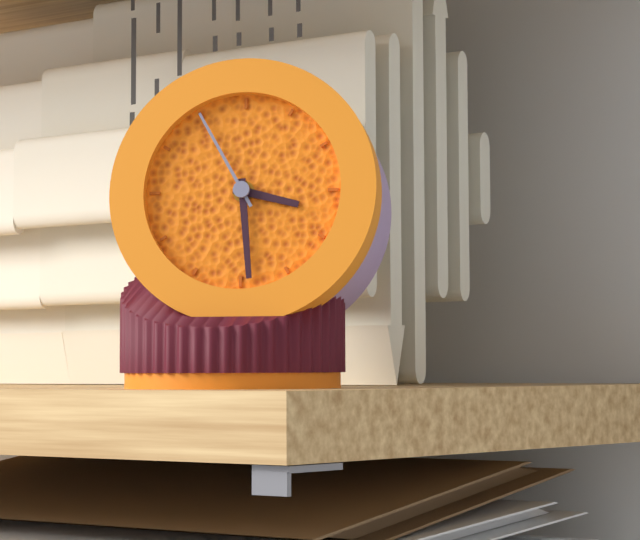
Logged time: 3:29:55
